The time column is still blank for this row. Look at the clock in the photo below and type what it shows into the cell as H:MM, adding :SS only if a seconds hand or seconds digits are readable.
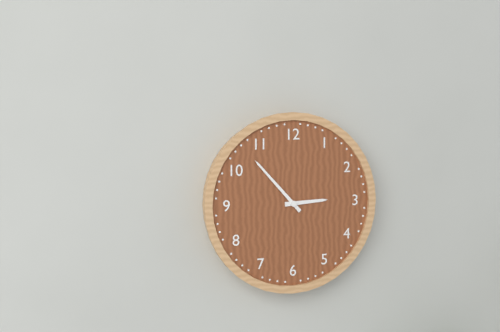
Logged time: 2:53
